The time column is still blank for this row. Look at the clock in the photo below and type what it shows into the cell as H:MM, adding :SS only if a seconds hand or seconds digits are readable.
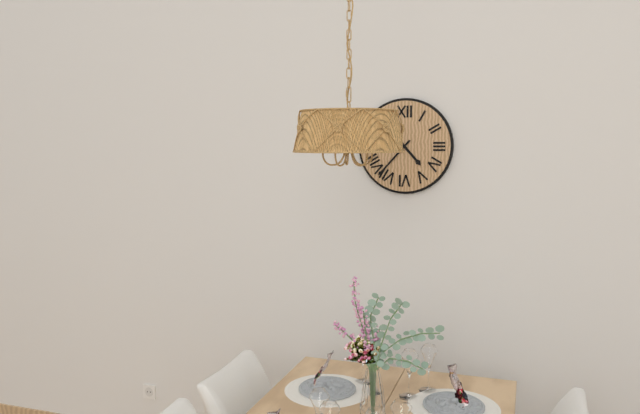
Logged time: 4:37
